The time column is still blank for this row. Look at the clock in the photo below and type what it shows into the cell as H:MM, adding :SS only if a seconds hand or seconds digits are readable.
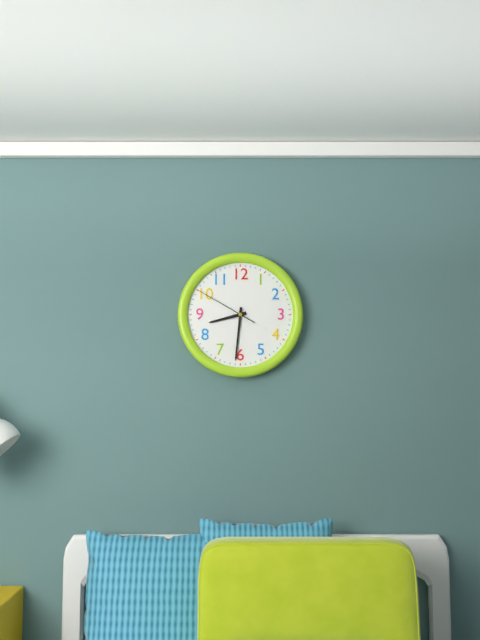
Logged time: 8:31:50
